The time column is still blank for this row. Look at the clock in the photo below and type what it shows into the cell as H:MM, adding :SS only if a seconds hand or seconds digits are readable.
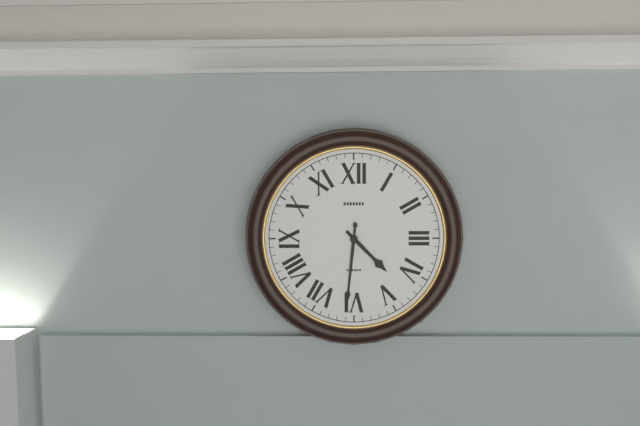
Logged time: 4:31
